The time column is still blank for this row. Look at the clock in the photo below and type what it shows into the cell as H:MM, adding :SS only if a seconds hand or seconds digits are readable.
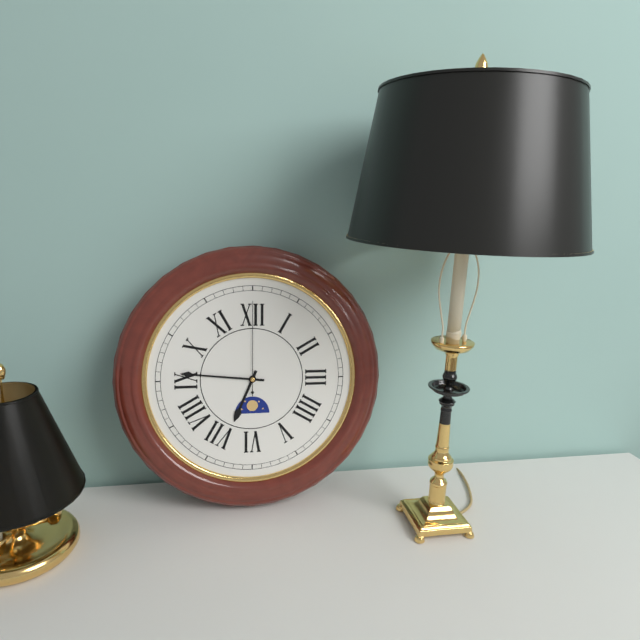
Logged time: 6:46:00
